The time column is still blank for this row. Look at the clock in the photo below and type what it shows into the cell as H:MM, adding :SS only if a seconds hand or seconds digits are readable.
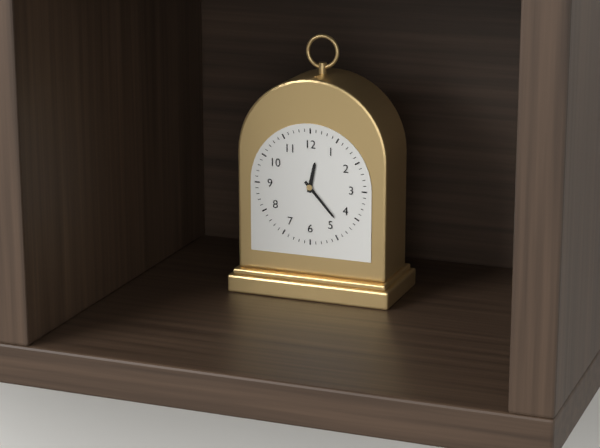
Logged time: 12:23
